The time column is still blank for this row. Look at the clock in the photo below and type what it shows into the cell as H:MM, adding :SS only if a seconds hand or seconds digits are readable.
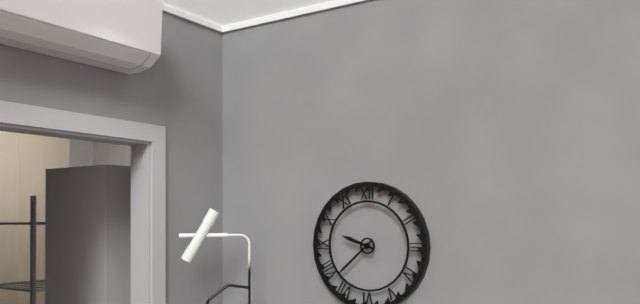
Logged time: 9:38
